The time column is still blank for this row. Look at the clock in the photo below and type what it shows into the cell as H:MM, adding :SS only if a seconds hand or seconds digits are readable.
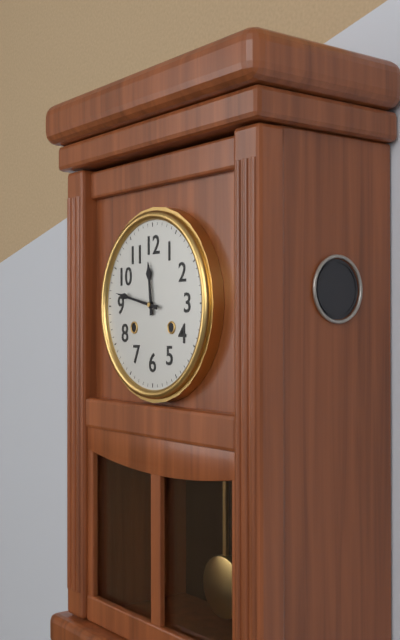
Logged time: 11:47
